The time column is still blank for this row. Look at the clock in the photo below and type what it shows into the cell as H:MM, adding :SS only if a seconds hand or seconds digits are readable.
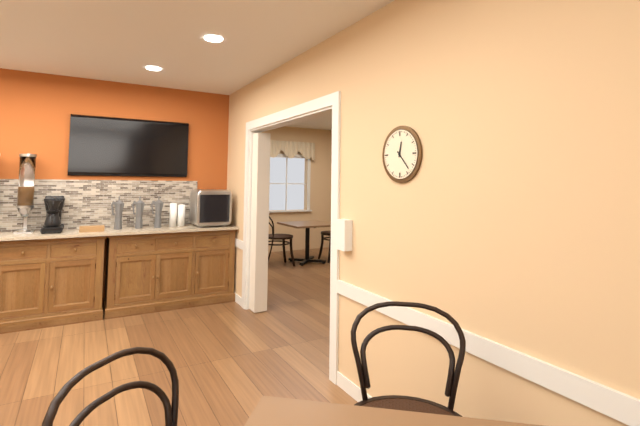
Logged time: 12:23
